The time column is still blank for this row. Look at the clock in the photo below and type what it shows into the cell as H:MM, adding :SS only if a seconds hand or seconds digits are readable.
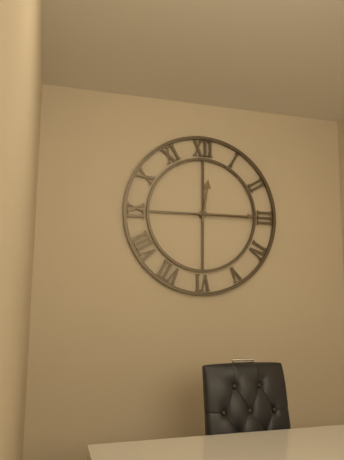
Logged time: 12:15
